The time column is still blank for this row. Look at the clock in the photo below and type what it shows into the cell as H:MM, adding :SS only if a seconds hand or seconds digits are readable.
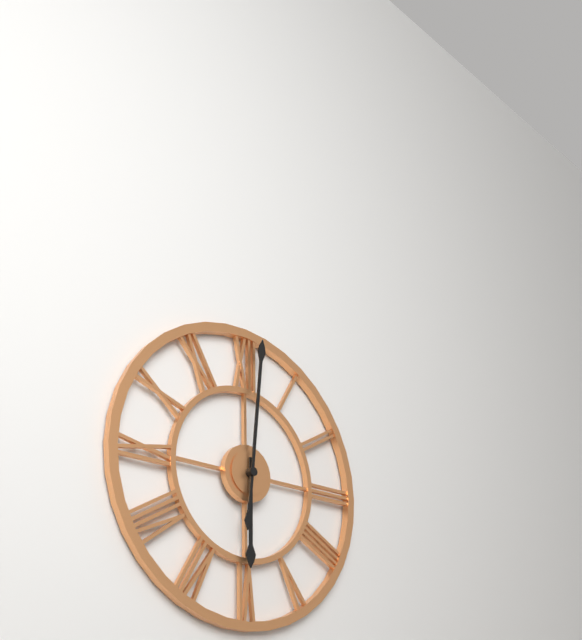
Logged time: 6:01
